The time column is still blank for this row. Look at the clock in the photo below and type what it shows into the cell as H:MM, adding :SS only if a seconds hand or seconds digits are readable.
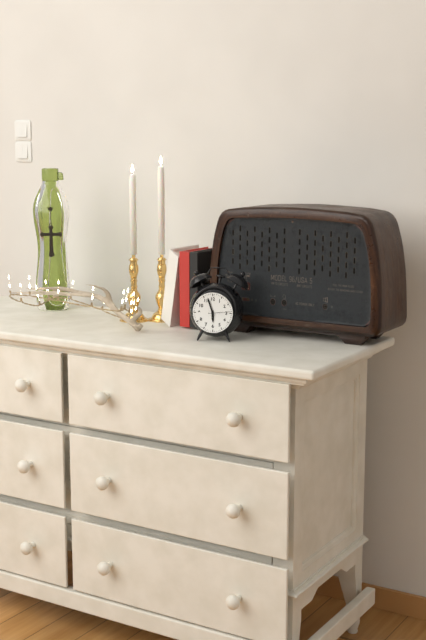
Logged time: 5:57
